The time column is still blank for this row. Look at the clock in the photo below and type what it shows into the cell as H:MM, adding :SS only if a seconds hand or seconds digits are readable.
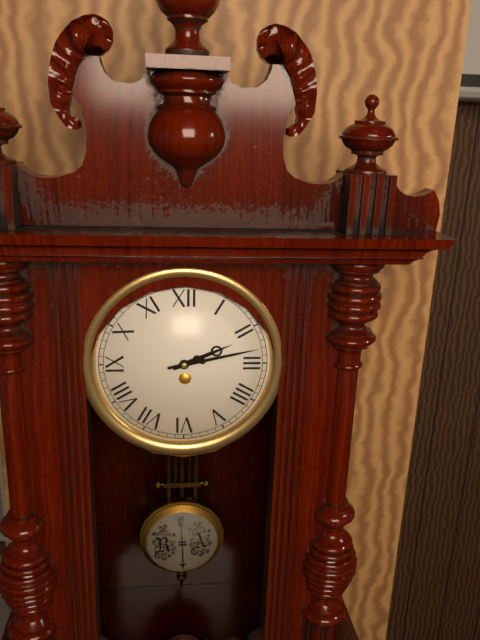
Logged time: 2:13
